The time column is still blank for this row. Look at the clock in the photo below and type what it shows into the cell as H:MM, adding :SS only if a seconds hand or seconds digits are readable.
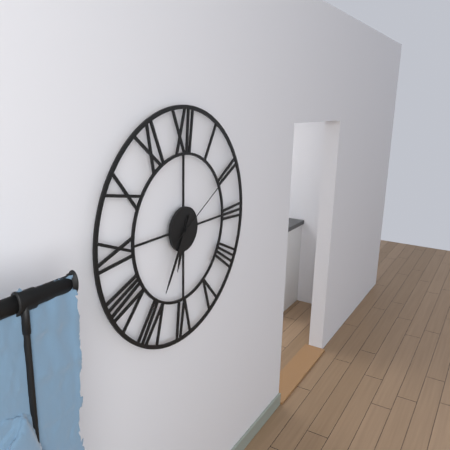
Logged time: 6:35:10
